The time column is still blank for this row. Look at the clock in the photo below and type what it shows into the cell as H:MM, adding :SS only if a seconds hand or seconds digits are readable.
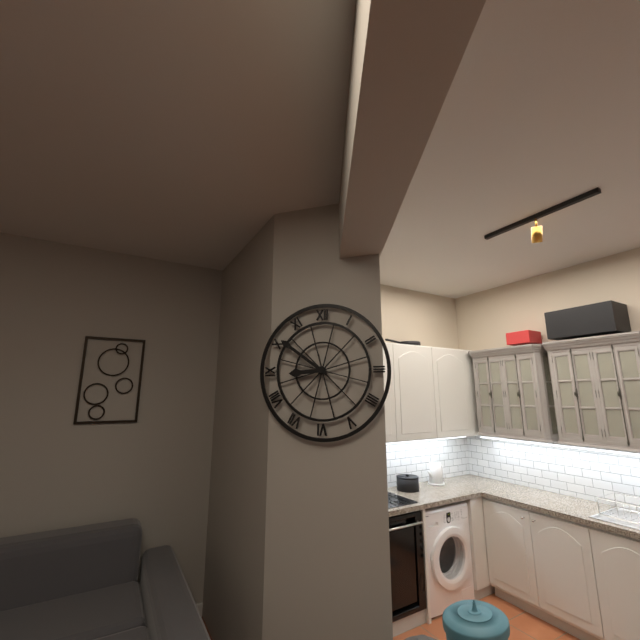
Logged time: 8:51
